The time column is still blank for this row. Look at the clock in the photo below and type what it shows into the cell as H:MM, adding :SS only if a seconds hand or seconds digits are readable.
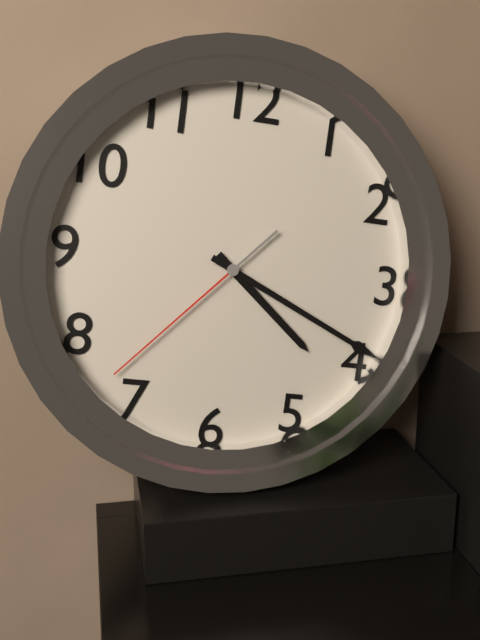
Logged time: 4:19:37
